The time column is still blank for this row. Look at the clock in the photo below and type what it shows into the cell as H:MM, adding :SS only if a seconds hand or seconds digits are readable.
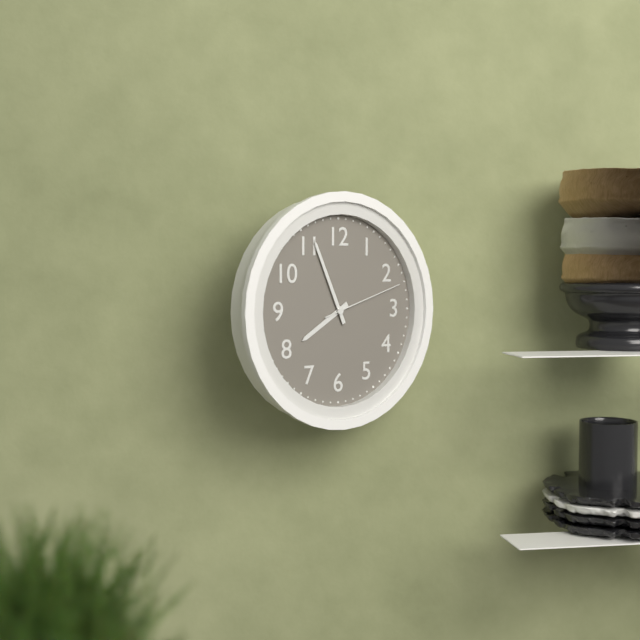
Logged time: 7:56:12
